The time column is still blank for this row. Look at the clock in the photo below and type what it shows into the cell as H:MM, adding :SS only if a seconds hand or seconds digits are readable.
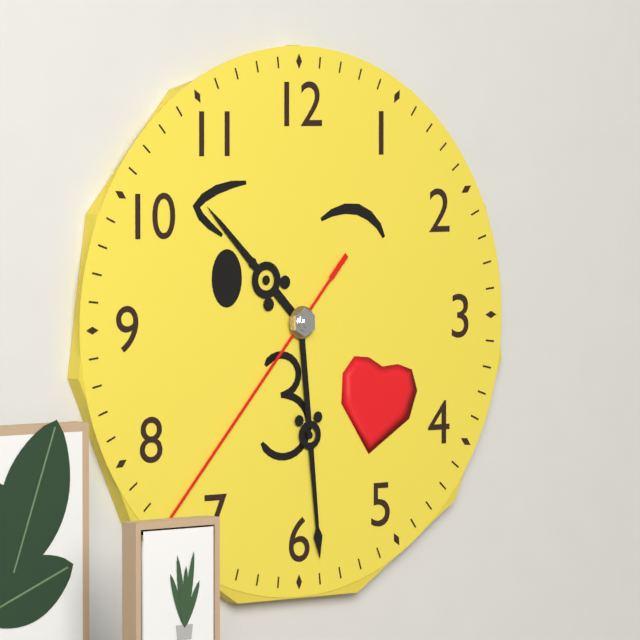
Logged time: 10:29:37
